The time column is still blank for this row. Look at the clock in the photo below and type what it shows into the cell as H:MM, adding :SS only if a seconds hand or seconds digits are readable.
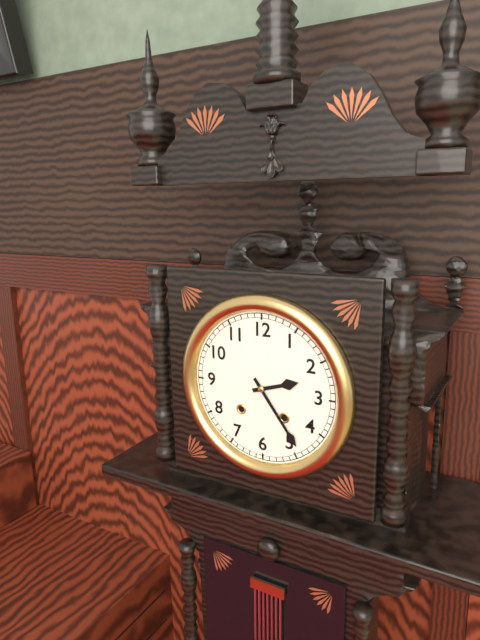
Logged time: 2:24
